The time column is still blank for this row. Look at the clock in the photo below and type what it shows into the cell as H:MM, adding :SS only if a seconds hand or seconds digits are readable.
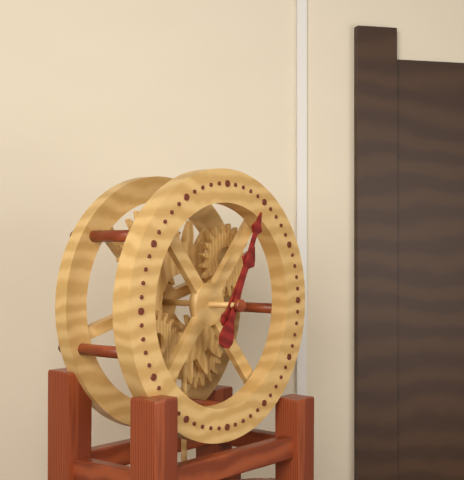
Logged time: 1:04
